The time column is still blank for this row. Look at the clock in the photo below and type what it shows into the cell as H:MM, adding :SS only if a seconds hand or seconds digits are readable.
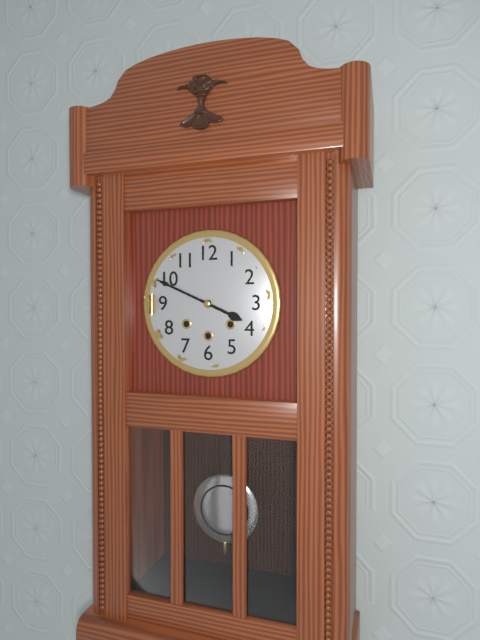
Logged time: 3:49
